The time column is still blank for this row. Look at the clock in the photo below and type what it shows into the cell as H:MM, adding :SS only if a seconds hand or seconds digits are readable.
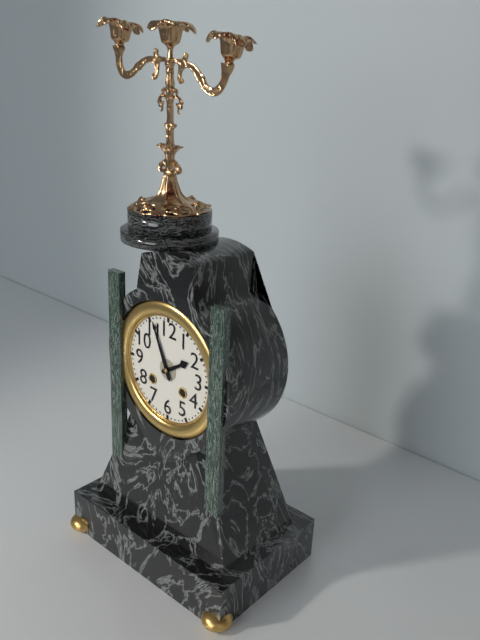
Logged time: 1:56
